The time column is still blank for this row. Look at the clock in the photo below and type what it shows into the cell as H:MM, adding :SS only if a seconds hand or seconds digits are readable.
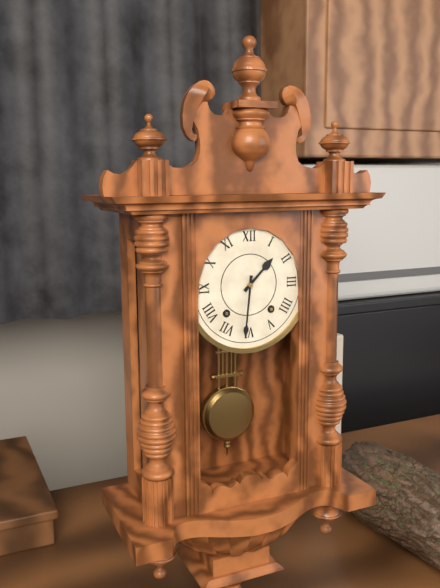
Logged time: 1:31
